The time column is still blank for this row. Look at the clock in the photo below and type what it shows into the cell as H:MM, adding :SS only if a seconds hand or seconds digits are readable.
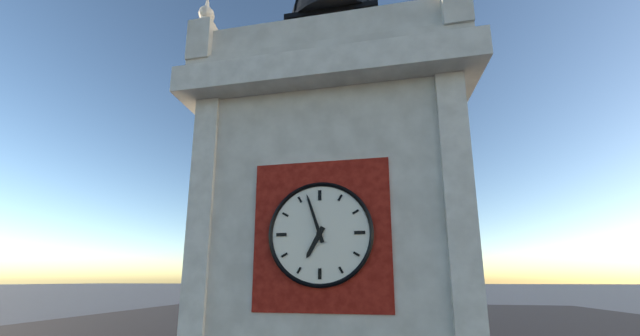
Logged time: 6:57
